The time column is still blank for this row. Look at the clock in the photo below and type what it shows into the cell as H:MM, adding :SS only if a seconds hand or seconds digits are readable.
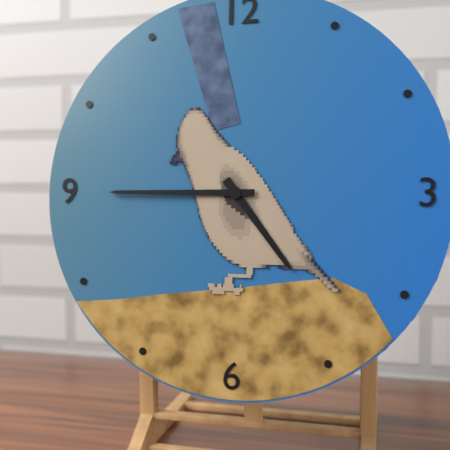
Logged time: 4:45
